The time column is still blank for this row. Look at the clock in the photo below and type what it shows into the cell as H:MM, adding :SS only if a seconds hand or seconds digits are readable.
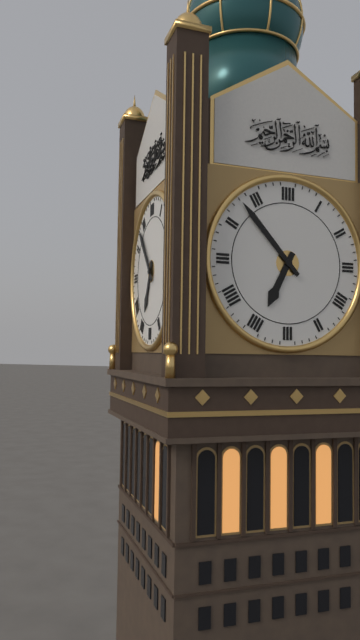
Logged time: 6:53
